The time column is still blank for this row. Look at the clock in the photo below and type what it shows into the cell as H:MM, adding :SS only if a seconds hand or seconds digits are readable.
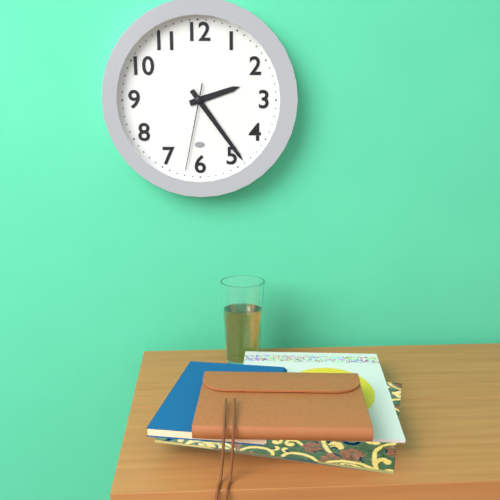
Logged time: 2:24:32
